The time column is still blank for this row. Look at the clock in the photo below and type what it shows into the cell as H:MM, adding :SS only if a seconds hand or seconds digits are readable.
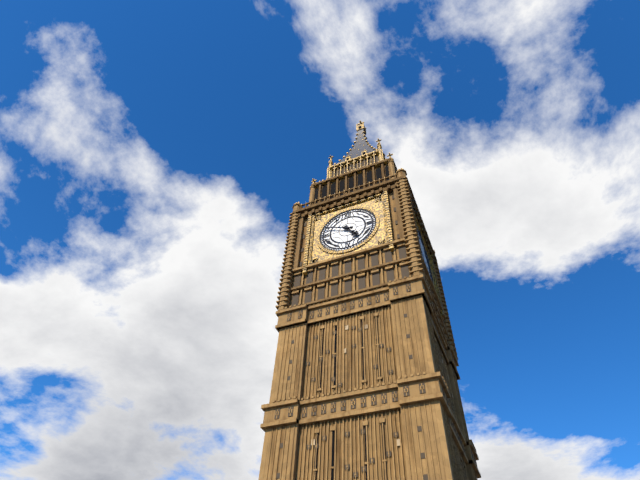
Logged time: 4:49
